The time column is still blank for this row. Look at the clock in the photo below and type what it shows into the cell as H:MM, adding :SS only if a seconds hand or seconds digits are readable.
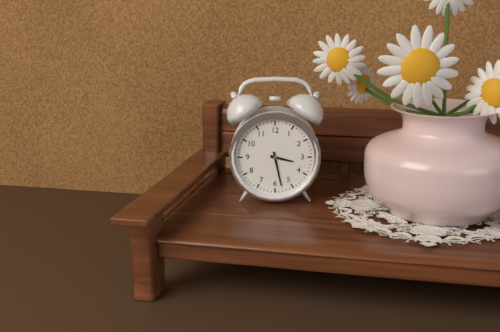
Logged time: 3:28
